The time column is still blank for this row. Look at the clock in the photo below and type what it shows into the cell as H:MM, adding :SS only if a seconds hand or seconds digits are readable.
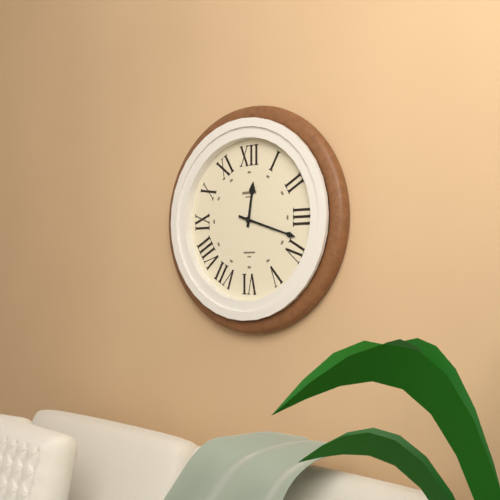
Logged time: 12:18
